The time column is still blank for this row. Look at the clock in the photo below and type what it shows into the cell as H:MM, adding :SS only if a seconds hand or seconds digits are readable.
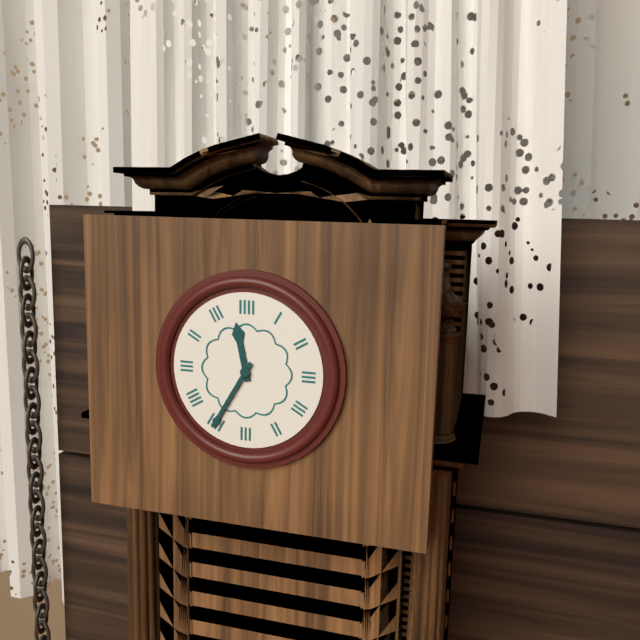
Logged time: 11:35
